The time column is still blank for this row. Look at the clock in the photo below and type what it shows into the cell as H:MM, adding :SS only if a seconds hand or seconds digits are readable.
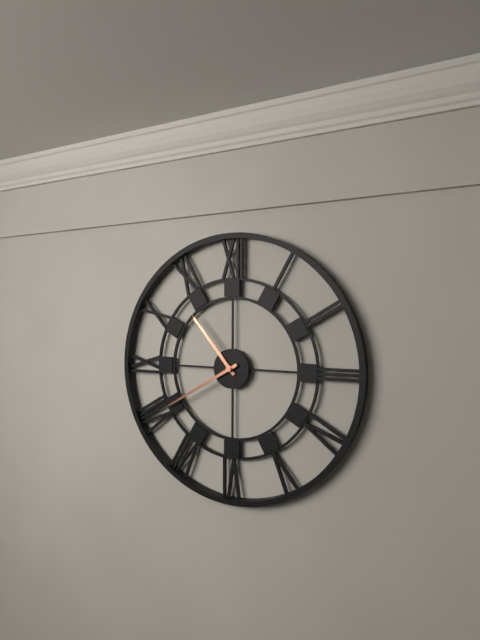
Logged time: 10:40
